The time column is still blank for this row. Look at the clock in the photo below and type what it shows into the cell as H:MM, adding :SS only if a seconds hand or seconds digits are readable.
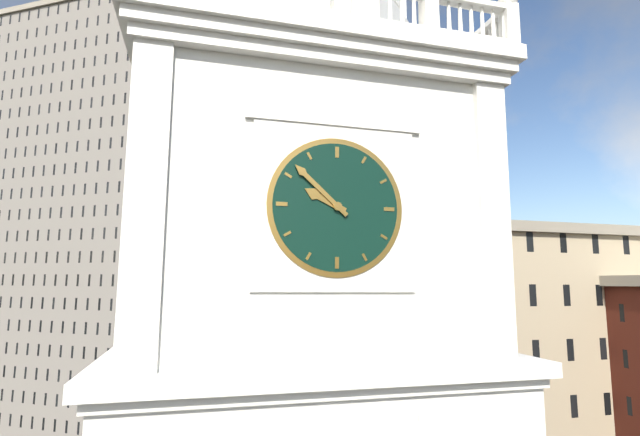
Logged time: 9:52
